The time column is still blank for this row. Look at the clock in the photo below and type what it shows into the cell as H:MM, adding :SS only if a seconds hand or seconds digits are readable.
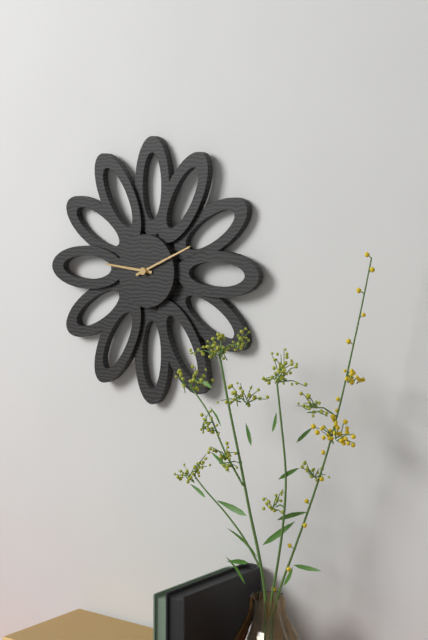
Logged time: 9:11
